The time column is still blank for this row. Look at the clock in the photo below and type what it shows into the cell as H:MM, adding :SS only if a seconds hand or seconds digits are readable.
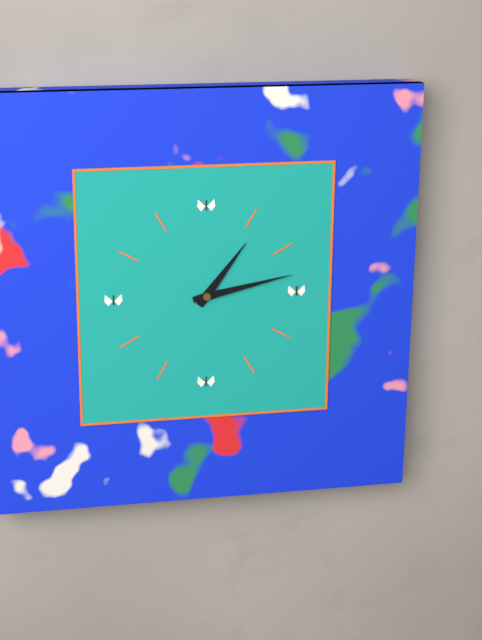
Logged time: 1:13
